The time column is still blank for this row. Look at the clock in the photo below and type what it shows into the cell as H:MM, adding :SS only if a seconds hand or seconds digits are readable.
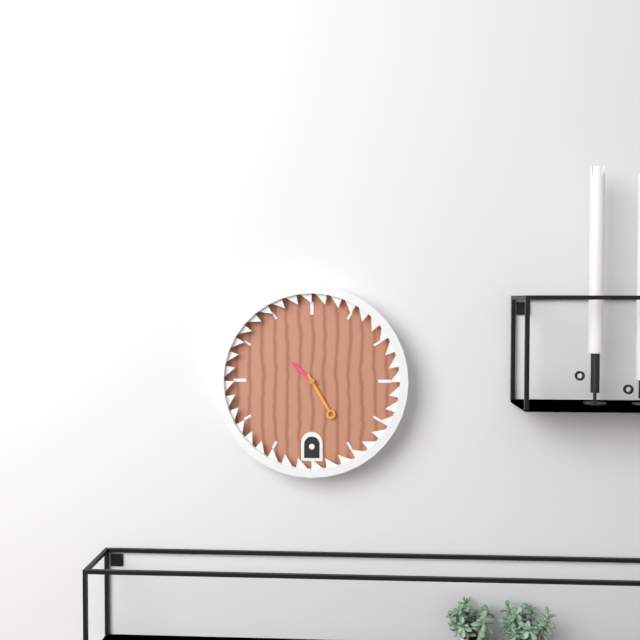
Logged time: 10:25
